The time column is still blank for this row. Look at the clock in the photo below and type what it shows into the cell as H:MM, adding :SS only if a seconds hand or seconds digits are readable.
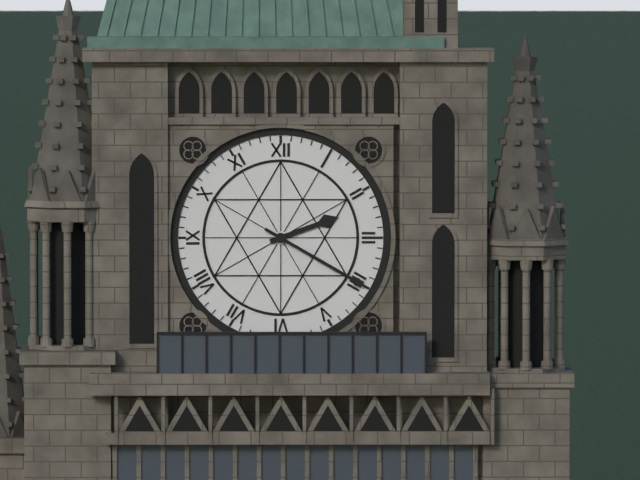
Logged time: 2:20
